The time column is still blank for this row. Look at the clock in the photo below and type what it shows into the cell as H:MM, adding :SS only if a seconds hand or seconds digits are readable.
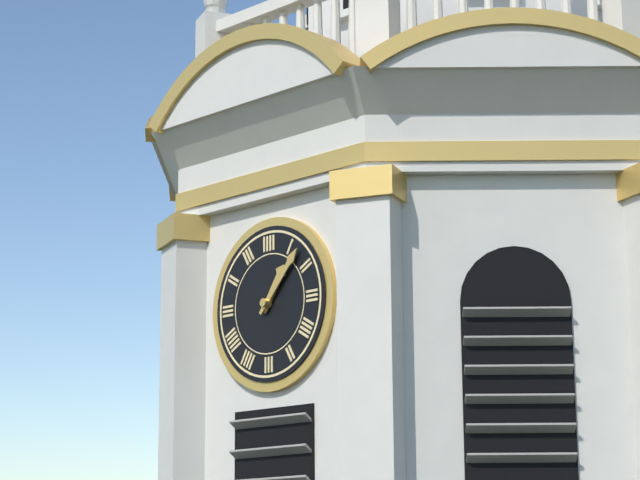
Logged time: 1:07
